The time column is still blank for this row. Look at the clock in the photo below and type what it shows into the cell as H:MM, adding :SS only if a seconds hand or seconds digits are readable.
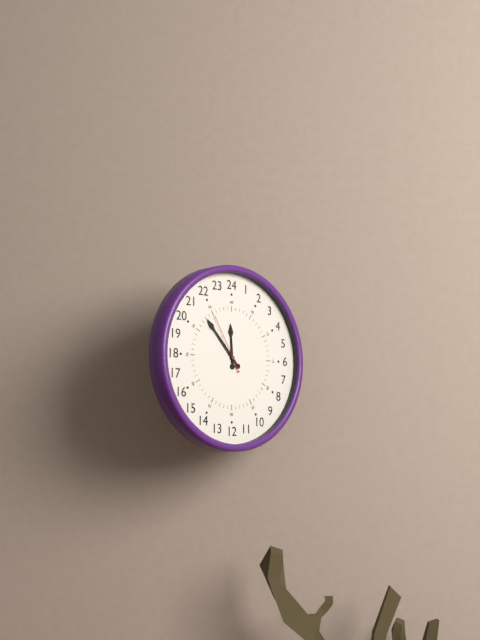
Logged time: 11:53:55
